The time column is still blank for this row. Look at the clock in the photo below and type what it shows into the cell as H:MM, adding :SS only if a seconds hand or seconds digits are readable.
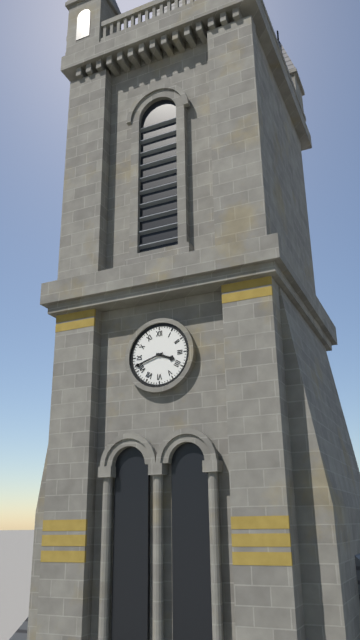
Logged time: 3:42
